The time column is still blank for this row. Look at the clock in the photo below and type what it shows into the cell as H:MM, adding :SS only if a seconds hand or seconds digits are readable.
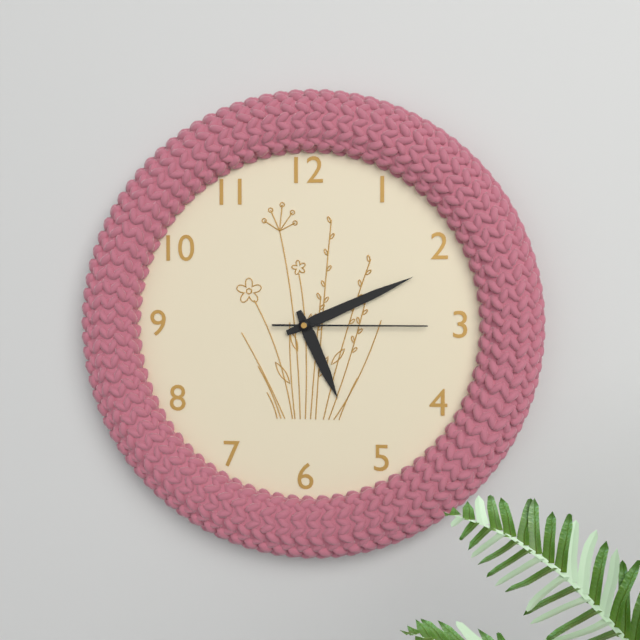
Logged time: 5:11:15
